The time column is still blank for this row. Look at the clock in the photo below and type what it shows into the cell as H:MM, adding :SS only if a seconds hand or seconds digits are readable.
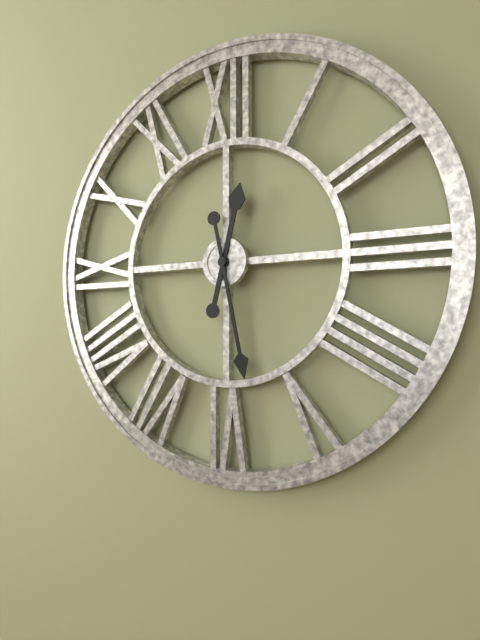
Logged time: 12:28
